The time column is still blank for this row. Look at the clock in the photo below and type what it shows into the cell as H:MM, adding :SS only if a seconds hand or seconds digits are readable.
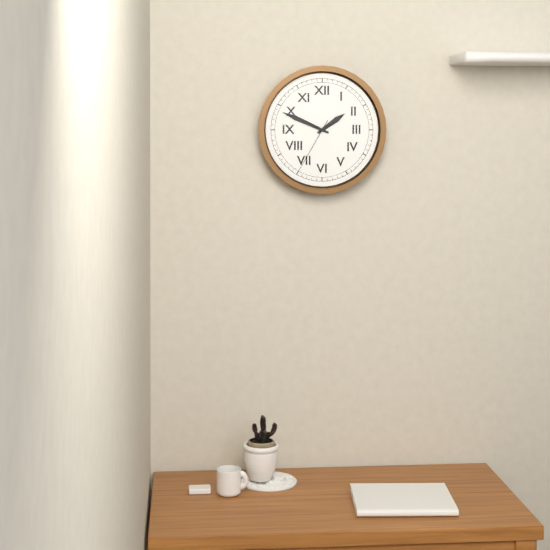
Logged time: 1:49:35
